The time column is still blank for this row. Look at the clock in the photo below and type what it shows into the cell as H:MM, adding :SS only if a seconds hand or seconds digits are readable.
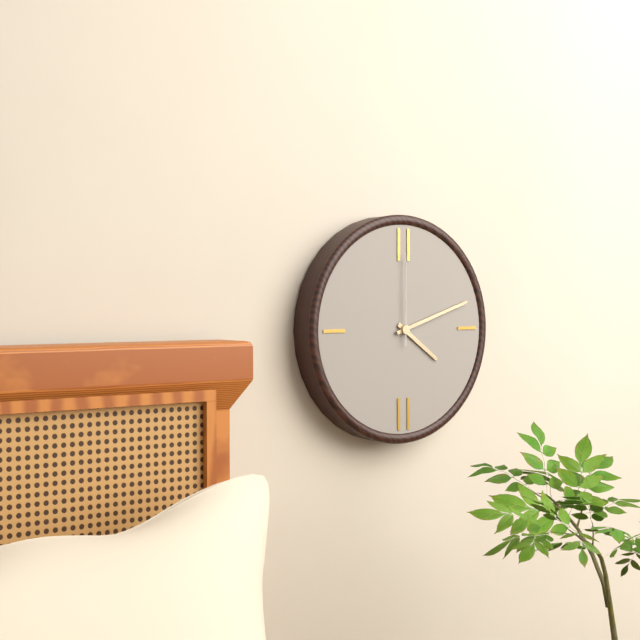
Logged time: 4:12:00
